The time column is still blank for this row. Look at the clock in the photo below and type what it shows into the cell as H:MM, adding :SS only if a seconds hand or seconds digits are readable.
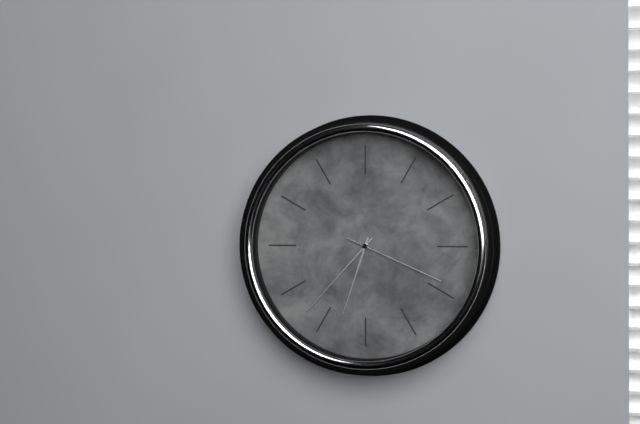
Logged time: 6:37:19
